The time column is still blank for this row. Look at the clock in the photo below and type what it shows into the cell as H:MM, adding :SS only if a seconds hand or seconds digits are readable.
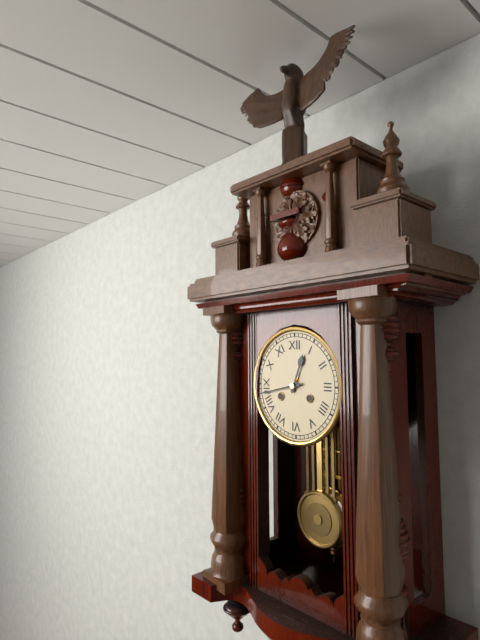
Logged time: 12:43
